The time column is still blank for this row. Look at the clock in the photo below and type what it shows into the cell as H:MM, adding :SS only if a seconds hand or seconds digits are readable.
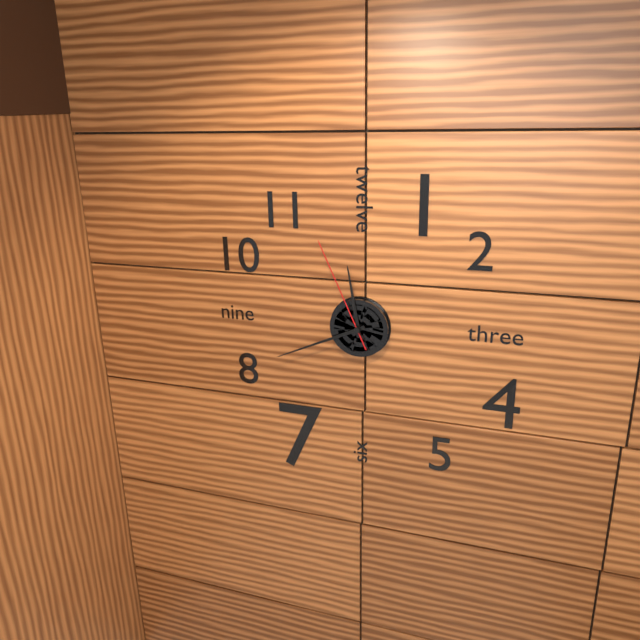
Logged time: 11:41:56
